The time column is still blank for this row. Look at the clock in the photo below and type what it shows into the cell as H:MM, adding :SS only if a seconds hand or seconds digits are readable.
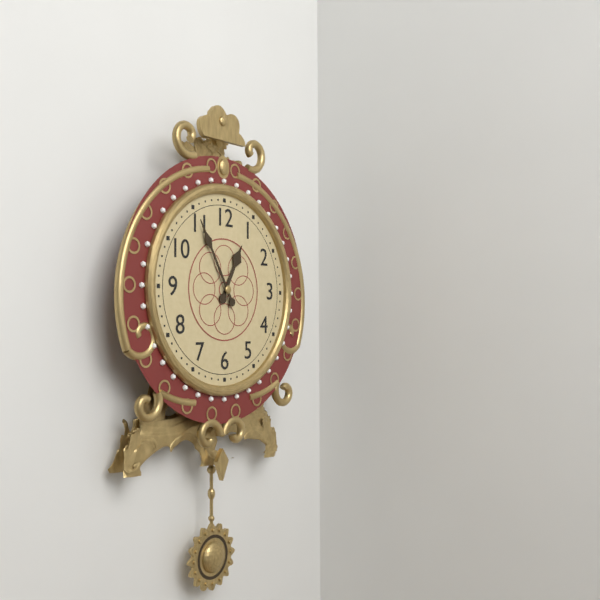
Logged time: 12:55
